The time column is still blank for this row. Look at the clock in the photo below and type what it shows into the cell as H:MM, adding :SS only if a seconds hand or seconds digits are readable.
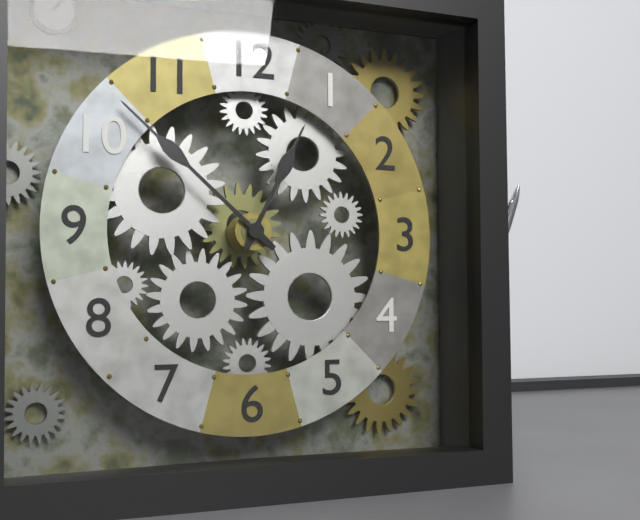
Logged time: 12:52
